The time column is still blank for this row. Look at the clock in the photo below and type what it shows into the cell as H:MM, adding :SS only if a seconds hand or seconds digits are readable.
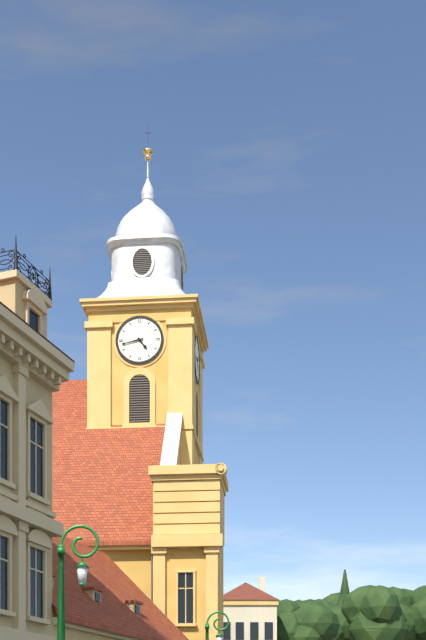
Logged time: 4:43
